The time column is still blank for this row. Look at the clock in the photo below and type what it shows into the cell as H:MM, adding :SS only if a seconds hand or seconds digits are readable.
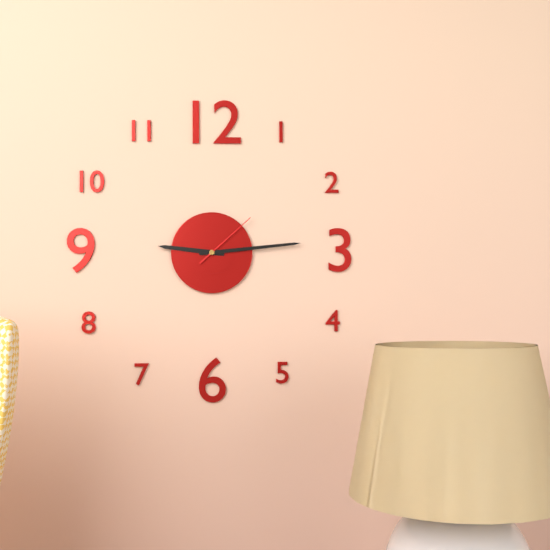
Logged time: 9:14:08
